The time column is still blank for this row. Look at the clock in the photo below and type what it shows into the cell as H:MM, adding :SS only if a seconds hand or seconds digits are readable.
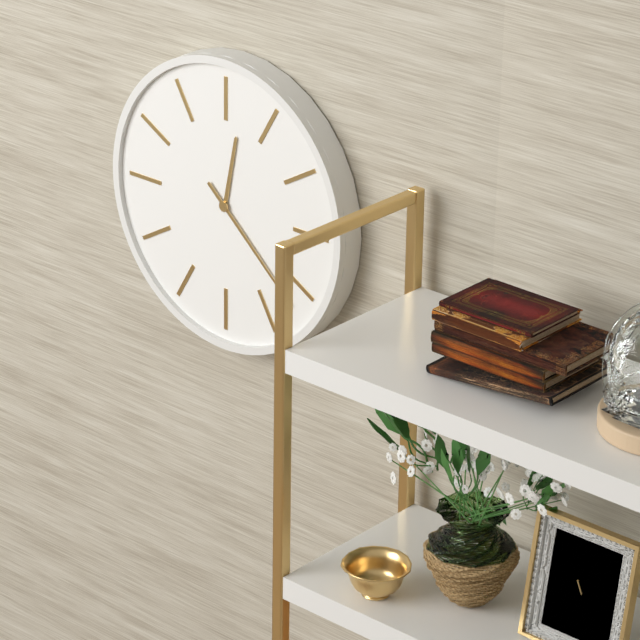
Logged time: 12:22
